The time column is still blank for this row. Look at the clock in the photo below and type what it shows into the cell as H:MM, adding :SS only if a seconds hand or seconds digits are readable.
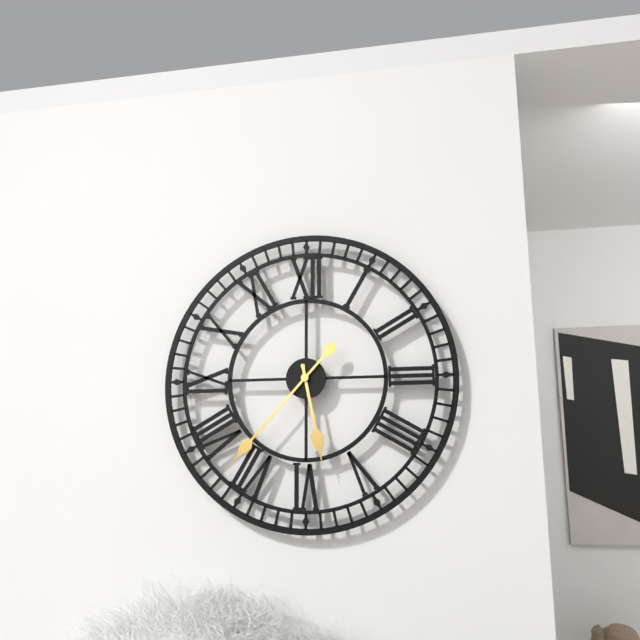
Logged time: 5:37
